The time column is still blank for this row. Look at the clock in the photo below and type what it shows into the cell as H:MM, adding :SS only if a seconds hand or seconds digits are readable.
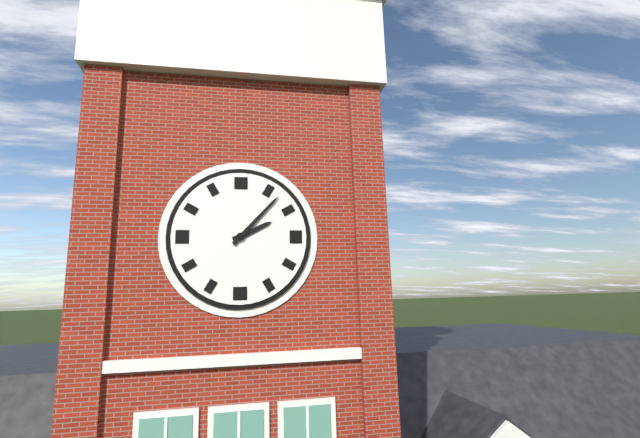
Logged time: 2:07
